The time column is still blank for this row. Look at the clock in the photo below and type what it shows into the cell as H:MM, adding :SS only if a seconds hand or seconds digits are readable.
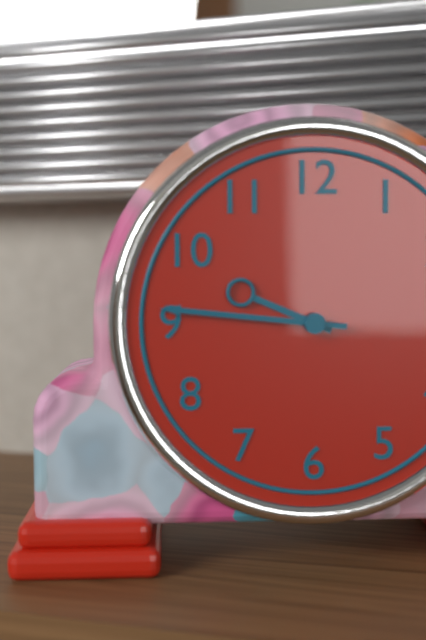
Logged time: 9:46
